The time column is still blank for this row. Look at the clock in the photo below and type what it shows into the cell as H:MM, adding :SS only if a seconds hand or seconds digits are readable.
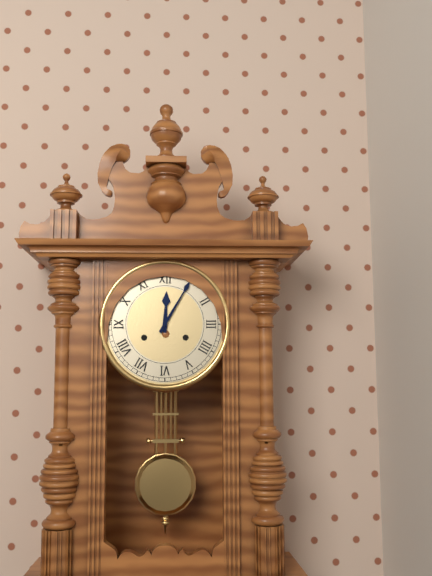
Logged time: 12:05
